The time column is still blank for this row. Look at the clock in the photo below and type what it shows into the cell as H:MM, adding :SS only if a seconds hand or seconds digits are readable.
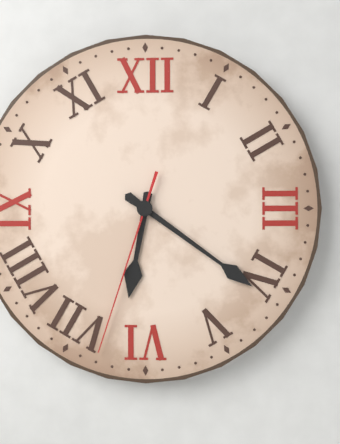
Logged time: 6:21:33
